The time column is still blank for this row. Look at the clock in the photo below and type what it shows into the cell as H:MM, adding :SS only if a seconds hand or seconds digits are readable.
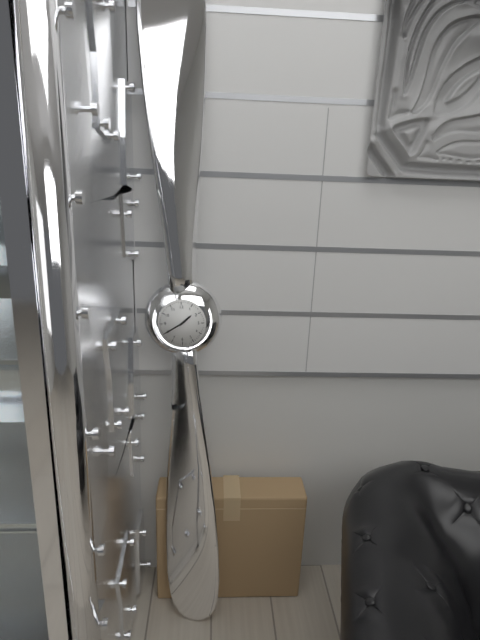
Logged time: 1:40
